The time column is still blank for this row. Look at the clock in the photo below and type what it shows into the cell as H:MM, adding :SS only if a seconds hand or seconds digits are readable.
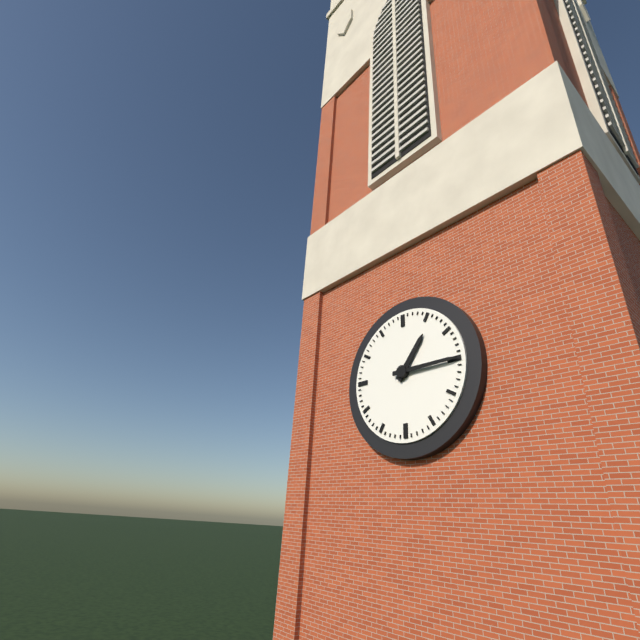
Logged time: 1:15
